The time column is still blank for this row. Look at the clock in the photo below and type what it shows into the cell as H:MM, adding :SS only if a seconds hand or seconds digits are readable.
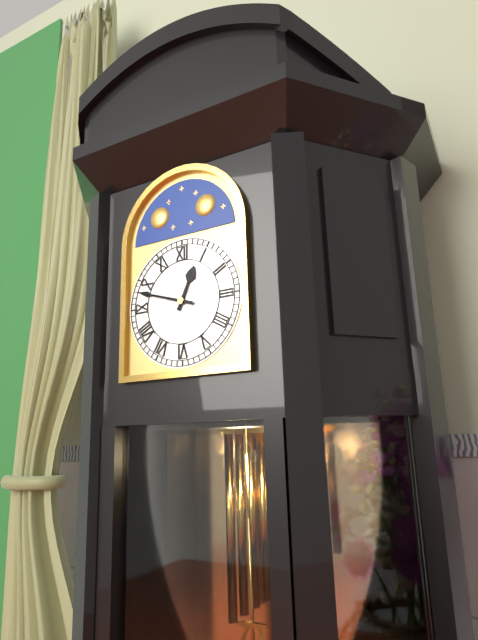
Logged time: 12:48
